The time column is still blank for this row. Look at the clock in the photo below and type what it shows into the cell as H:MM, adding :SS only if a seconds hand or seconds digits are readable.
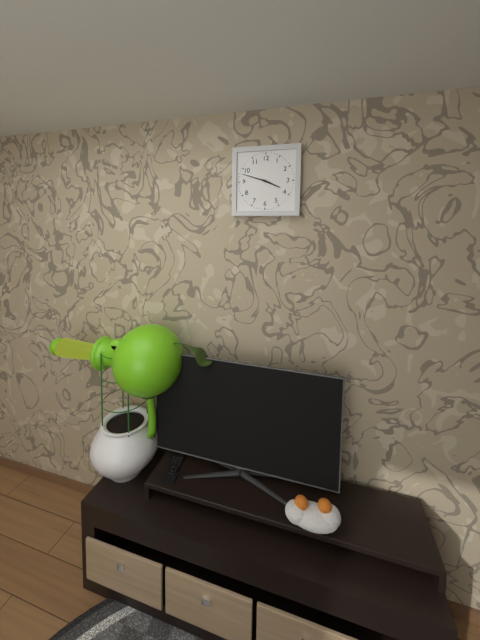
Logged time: 3:48
